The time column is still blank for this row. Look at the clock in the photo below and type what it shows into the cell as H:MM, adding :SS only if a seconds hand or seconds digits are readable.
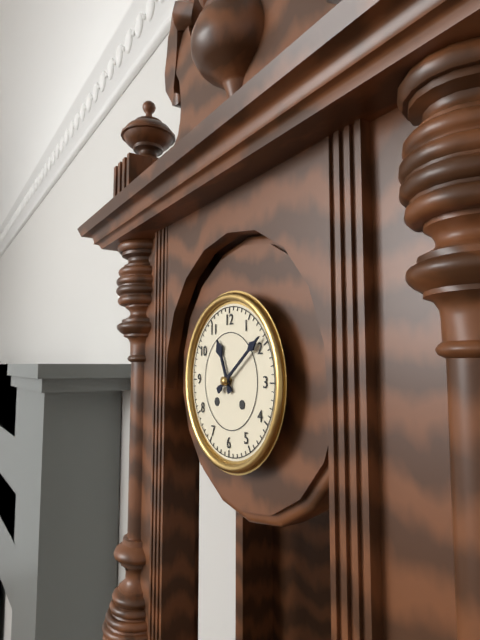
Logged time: 11:09
